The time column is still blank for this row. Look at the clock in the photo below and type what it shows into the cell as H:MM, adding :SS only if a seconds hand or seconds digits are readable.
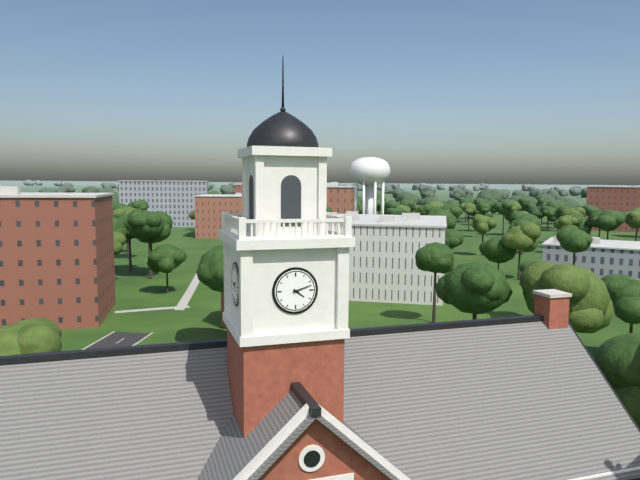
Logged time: 4:12
